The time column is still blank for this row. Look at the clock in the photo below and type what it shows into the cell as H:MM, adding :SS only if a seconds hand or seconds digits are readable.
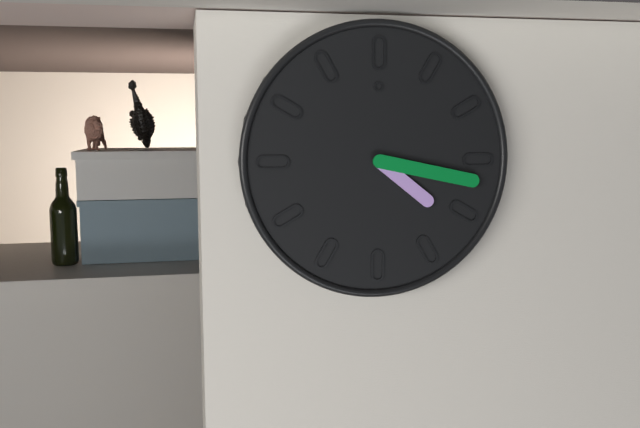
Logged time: 4:17
